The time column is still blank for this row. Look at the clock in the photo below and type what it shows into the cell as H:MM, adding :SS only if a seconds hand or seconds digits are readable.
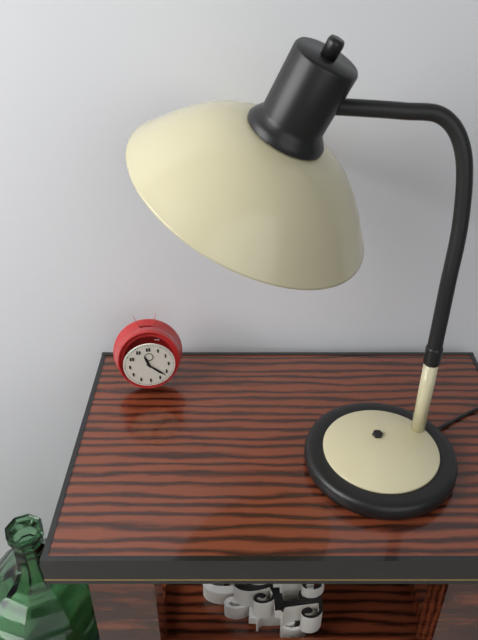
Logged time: 11:22
